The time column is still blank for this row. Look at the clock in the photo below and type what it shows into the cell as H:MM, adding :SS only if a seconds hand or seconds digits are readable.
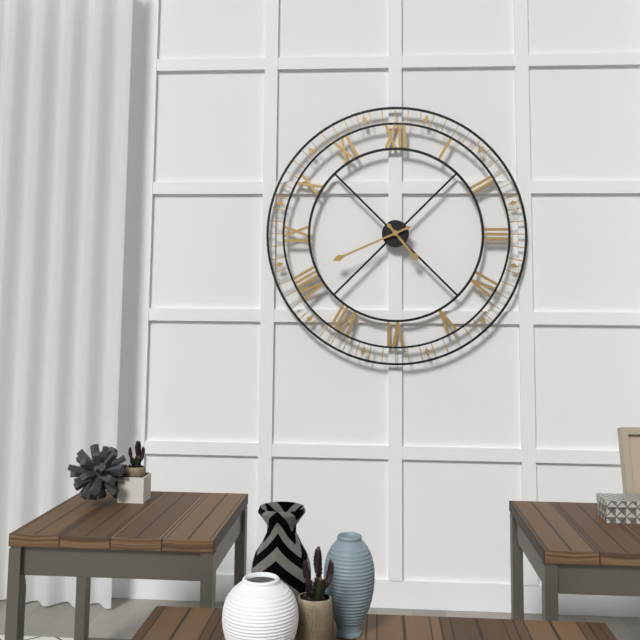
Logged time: 4:41
